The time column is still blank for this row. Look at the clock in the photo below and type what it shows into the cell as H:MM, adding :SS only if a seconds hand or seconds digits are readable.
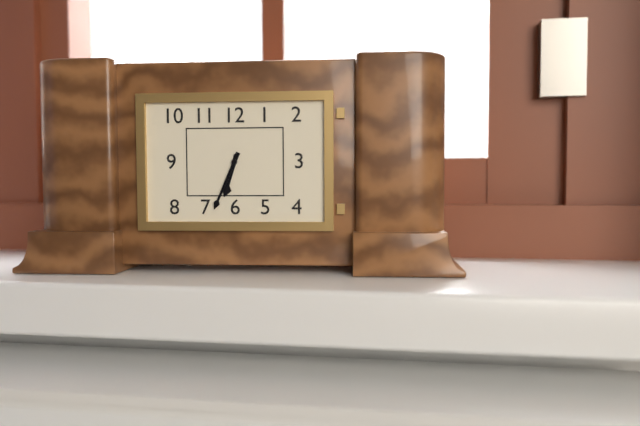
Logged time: 6:34
